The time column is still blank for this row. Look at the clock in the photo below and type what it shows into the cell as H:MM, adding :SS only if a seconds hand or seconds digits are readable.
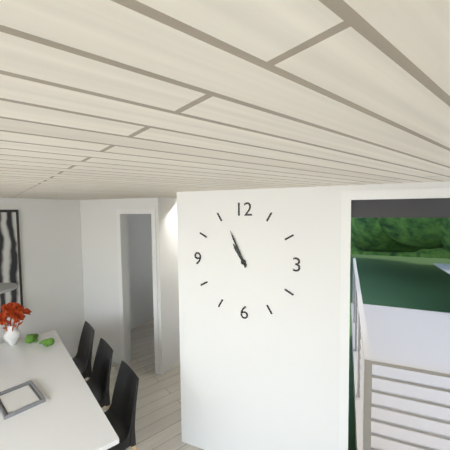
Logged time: 10:56
